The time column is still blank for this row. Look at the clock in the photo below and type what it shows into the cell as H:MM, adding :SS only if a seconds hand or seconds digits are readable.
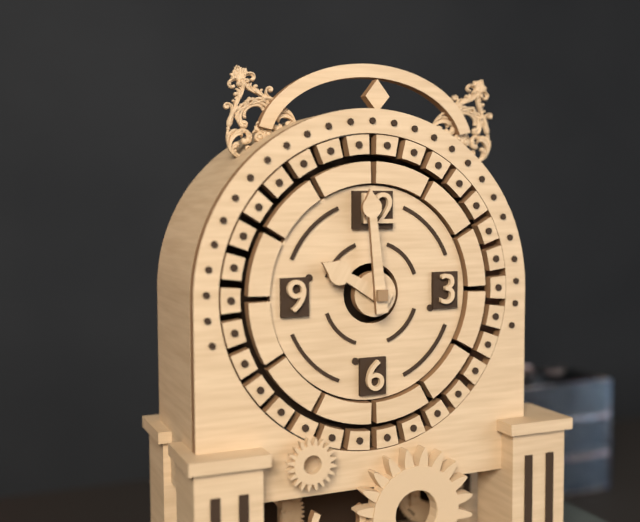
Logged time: 9:59
